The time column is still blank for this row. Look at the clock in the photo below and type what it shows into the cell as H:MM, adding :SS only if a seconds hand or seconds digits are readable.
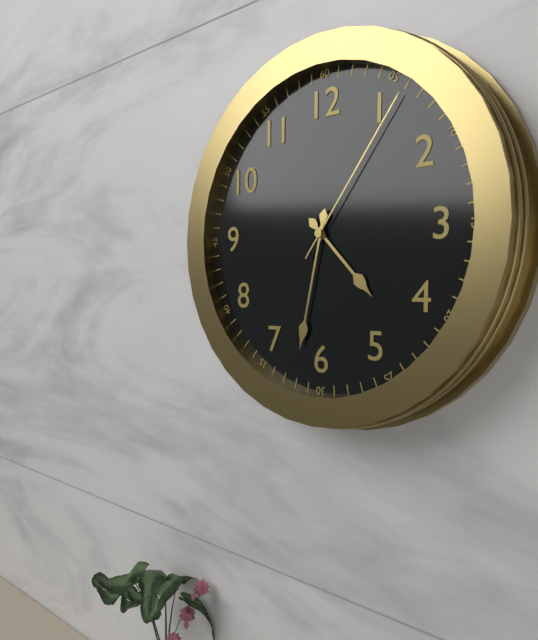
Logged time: 4:32:06
